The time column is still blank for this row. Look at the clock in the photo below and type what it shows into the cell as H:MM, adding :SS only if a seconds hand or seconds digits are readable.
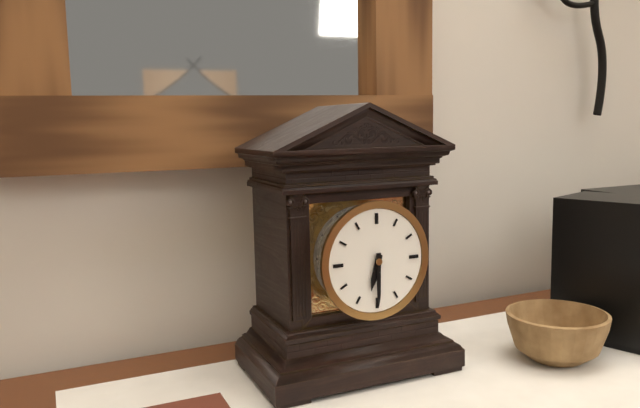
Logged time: 6:30
